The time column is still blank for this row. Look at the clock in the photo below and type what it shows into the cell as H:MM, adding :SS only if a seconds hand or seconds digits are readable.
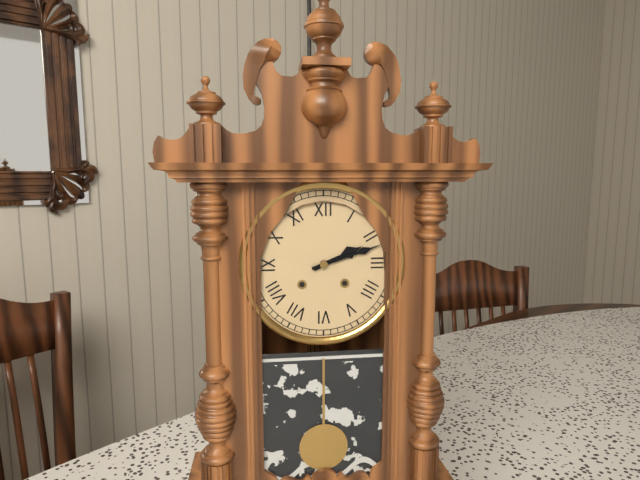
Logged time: 2:12
